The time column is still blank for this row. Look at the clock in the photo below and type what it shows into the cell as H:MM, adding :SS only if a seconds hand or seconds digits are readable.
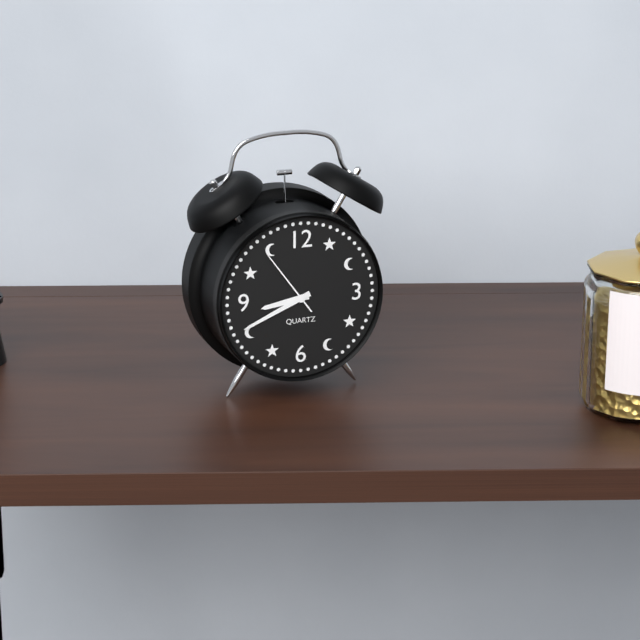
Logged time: 8:41:54
